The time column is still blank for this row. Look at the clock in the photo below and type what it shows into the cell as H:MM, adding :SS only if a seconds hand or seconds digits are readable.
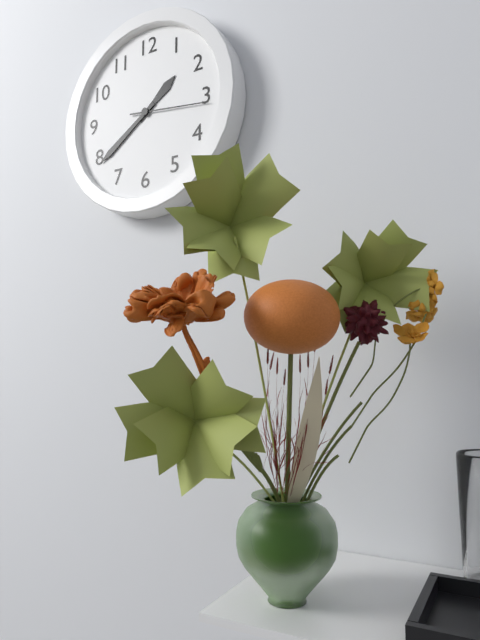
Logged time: 1:39:16
